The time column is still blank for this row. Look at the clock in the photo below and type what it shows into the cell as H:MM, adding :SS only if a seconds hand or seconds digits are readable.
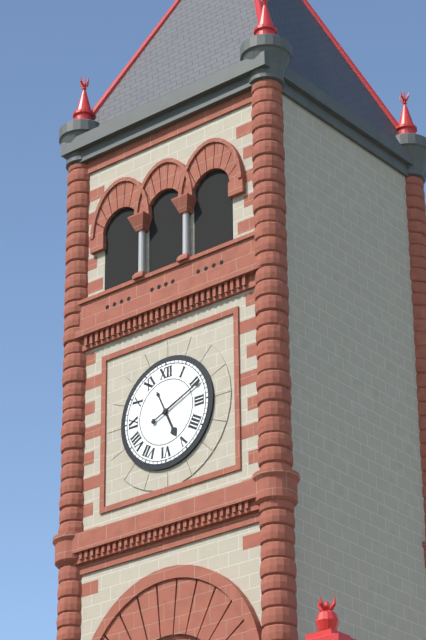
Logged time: 5:11
